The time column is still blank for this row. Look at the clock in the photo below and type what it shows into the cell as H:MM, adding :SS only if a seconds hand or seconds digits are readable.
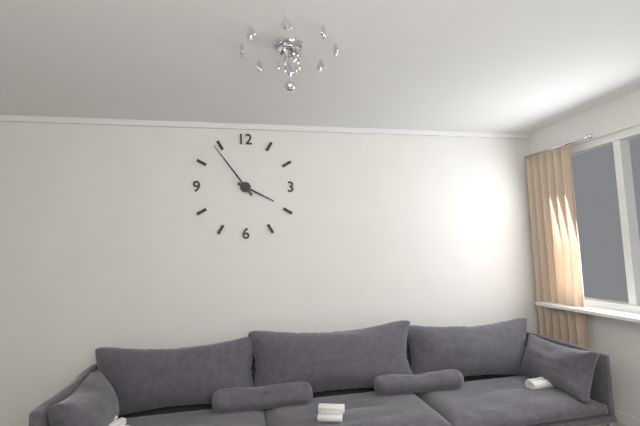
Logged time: 3:54
